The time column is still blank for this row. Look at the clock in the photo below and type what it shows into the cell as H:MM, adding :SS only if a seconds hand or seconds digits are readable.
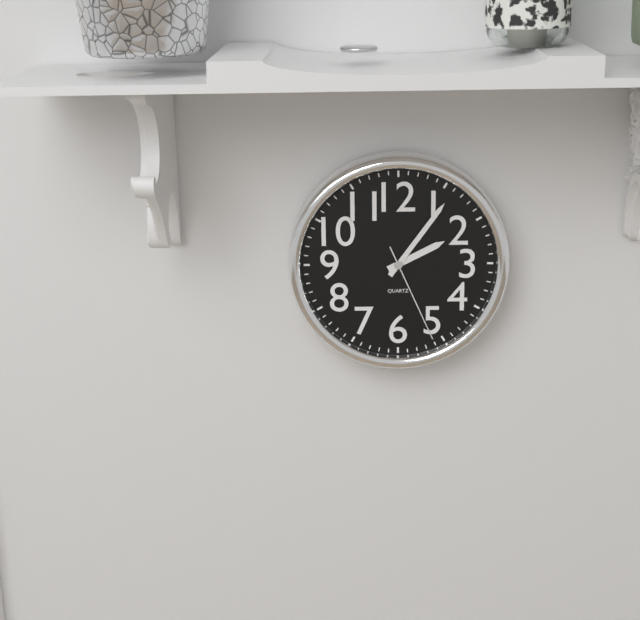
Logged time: 2:06:26
